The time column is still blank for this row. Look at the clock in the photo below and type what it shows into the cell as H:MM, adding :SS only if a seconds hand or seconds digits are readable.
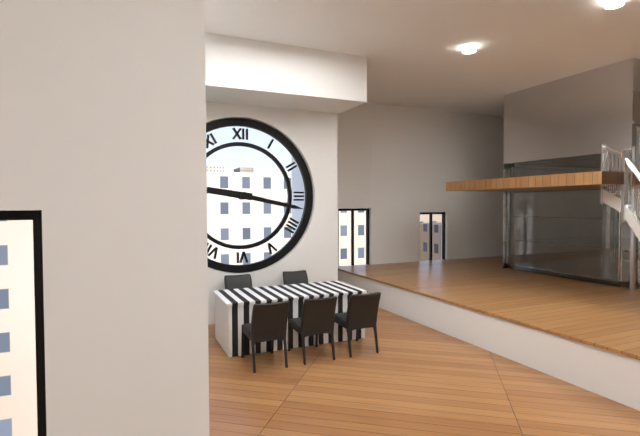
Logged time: 9:17
